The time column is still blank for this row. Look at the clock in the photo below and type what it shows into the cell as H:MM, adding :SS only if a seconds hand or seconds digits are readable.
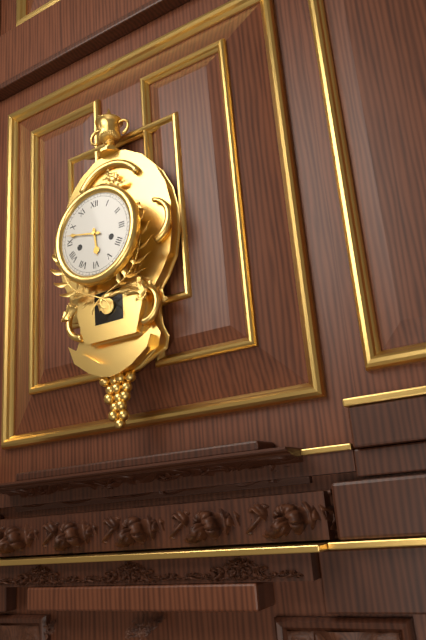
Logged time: 5:47
